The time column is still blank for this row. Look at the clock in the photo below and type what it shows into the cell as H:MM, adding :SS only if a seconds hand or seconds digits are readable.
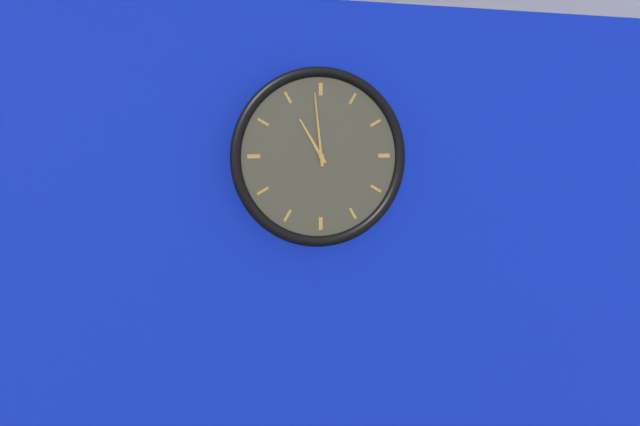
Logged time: 10:59
